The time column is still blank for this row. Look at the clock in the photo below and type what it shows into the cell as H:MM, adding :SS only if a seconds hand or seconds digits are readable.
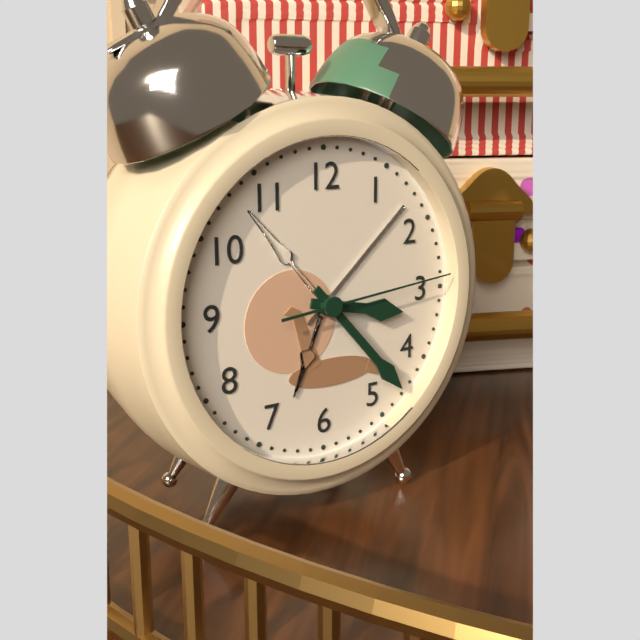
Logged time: 3:23:14
